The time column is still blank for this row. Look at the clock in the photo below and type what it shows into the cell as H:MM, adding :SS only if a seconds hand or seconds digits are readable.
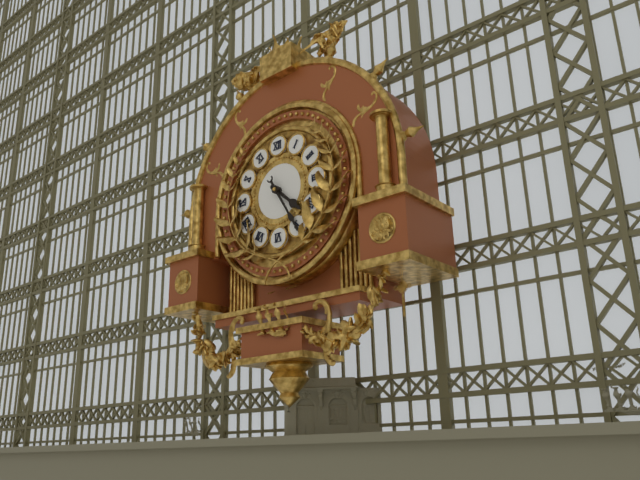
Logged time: 4:25
